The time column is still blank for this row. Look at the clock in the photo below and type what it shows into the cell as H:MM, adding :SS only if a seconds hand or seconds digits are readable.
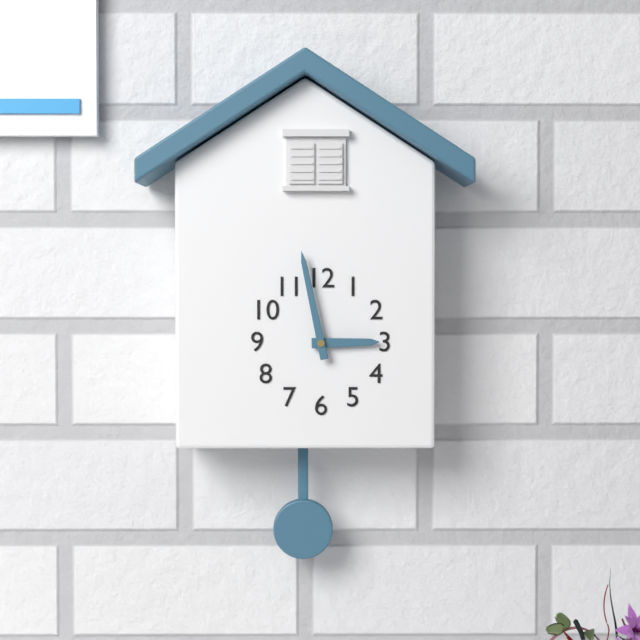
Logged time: 2:58
